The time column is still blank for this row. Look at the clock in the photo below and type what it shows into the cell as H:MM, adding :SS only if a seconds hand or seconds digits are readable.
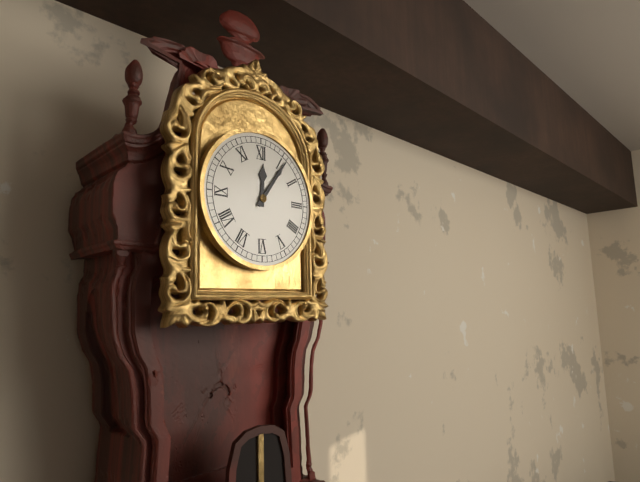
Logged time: 12:06
